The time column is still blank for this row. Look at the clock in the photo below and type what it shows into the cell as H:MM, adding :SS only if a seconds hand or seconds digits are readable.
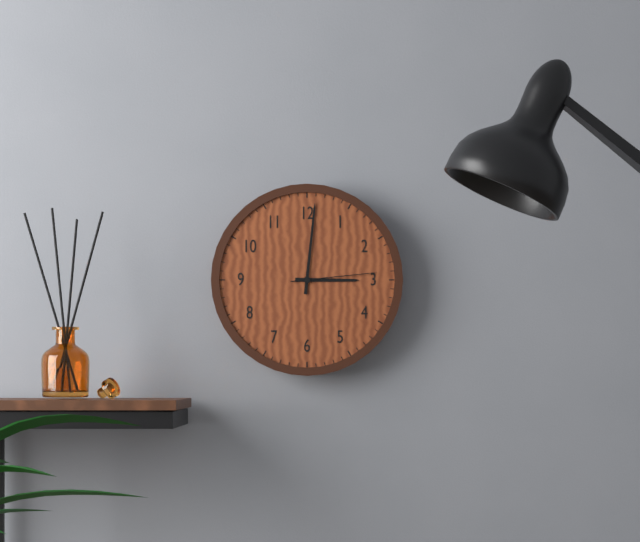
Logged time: 3:01:14
